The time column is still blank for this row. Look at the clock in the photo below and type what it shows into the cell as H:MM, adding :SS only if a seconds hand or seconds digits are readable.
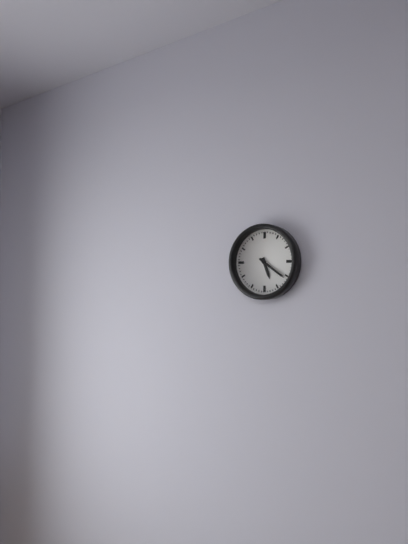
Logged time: 5:21
